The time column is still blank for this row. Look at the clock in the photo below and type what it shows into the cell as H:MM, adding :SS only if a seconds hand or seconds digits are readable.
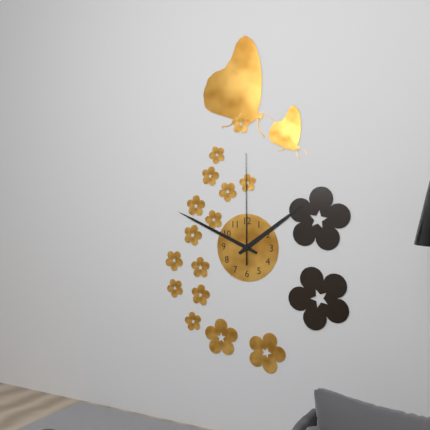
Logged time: 1:49:00
